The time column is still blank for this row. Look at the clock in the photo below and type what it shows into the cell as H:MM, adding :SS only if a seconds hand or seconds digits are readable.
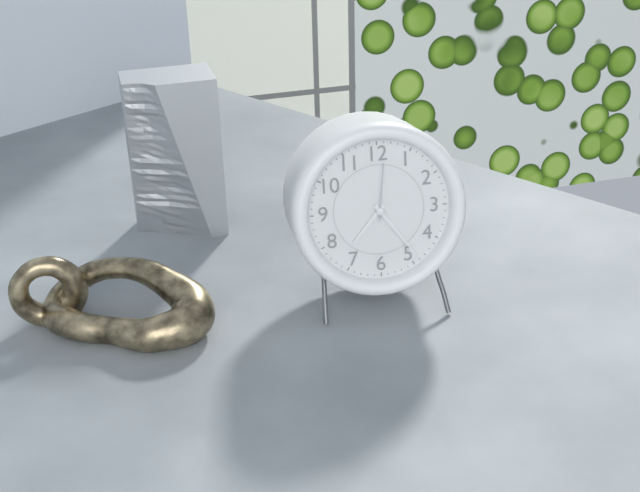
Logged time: 7:24:01
